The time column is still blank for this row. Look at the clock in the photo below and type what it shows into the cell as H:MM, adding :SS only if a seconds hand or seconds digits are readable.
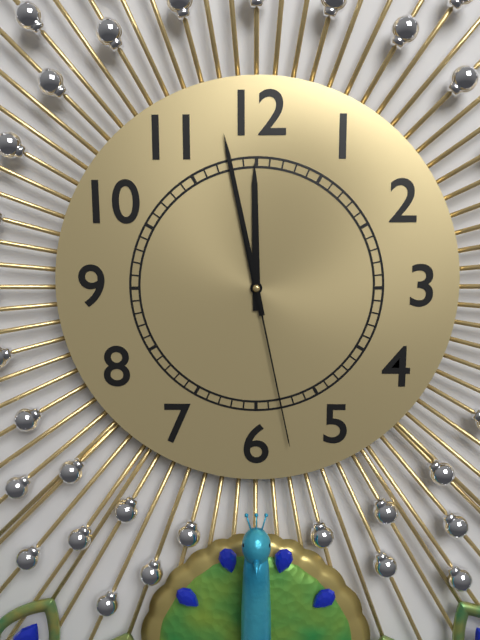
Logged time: 11:58:28
